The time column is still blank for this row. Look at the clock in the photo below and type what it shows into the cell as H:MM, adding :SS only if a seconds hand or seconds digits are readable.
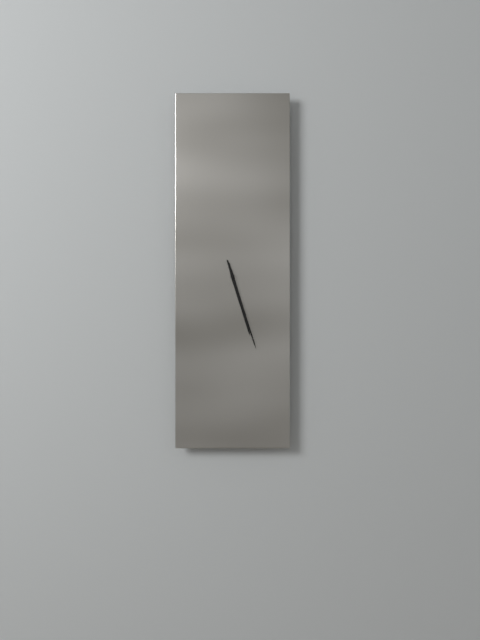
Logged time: 5:27
